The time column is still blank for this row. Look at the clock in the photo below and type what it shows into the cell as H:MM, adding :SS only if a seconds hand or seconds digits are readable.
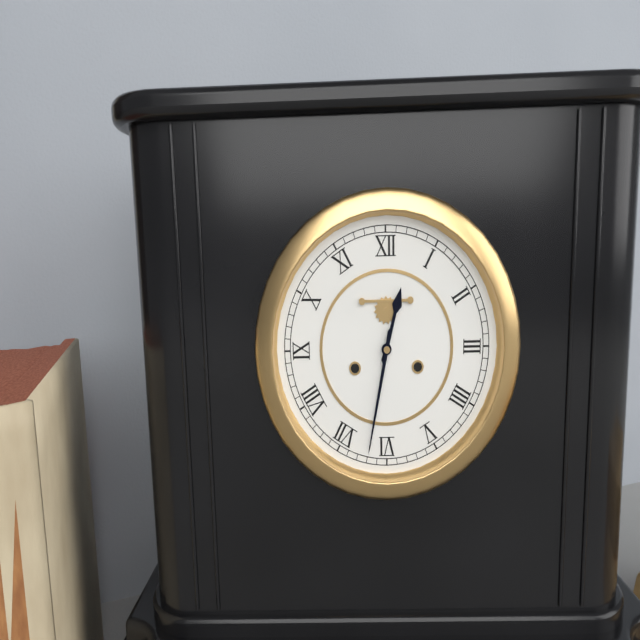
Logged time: 12:32
